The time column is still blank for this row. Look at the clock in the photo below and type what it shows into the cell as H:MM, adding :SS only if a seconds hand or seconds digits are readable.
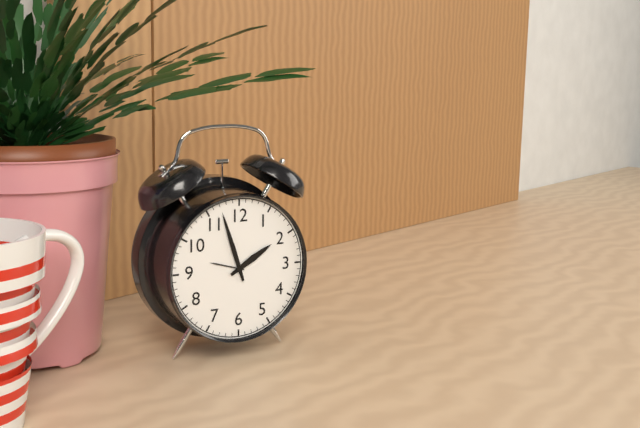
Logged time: 1:57
